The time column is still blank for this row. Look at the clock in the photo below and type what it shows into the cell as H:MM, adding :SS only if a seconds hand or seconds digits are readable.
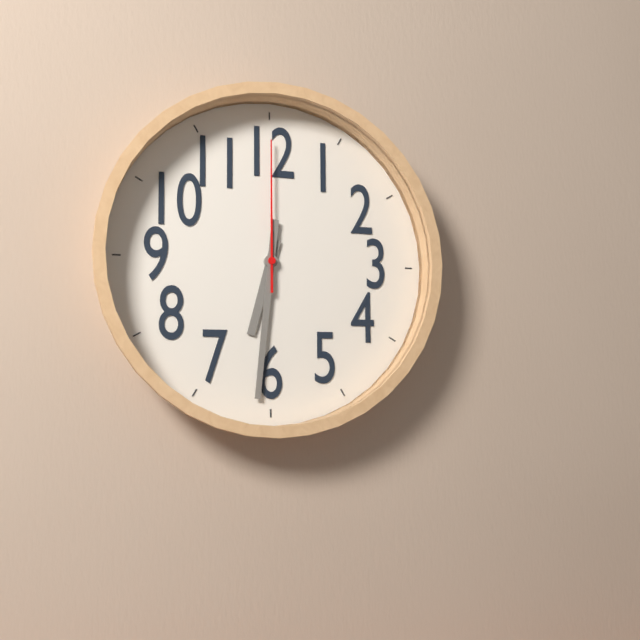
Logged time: 6:31:00
